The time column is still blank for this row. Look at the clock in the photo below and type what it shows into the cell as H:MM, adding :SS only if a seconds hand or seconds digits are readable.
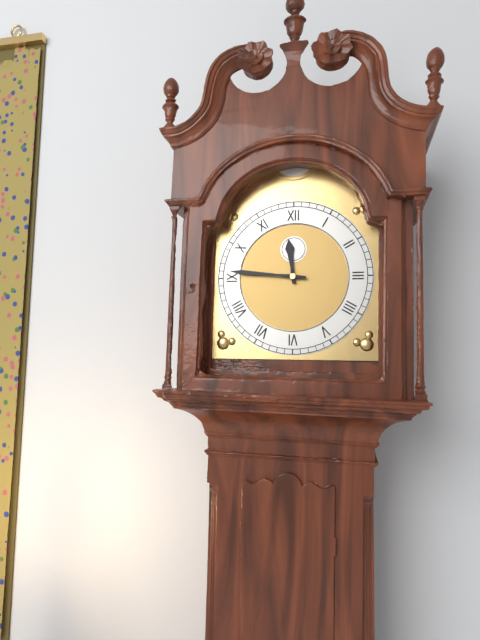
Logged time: 11:46
